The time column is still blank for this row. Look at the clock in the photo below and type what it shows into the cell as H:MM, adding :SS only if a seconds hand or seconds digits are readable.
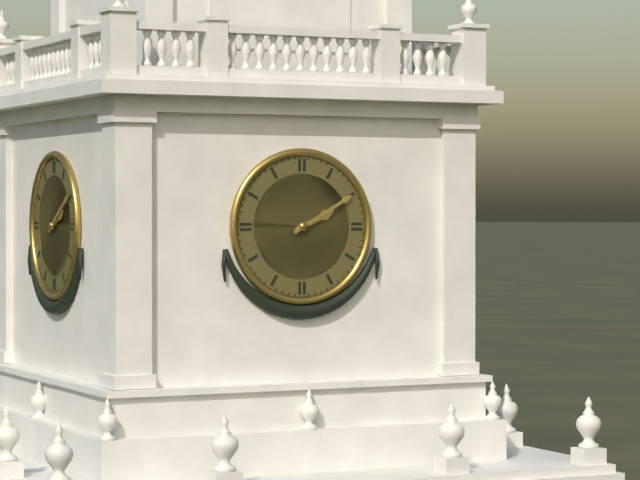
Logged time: 2:10
